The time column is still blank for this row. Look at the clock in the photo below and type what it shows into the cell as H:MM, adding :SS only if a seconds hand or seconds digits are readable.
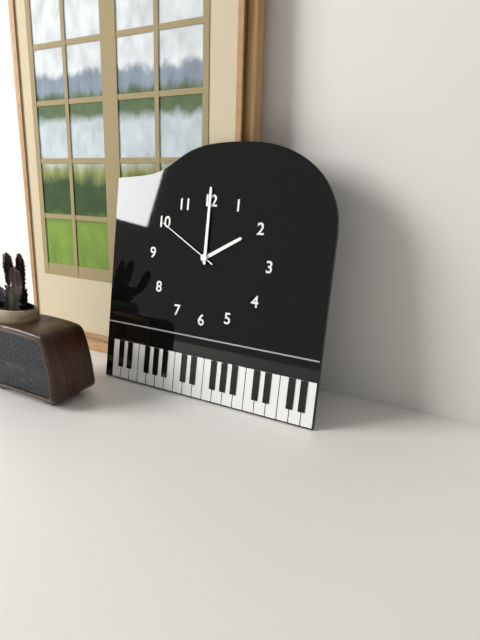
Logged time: 2:00:50
